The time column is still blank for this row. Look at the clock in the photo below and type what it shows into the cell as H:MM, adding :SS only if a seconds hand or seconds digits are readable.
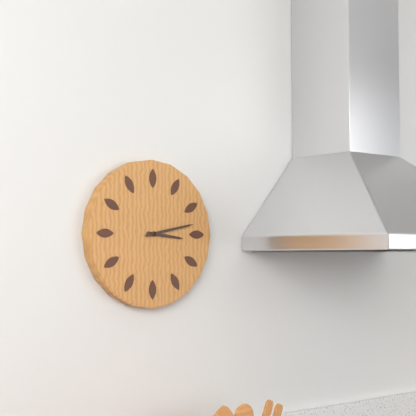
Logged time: 3:13
